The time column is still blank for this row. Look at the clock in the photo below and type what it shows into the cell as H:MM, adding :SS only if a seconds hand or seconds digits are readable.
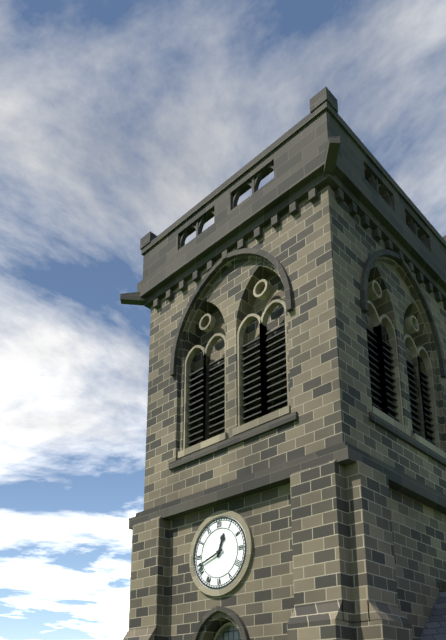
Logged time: 12:42
